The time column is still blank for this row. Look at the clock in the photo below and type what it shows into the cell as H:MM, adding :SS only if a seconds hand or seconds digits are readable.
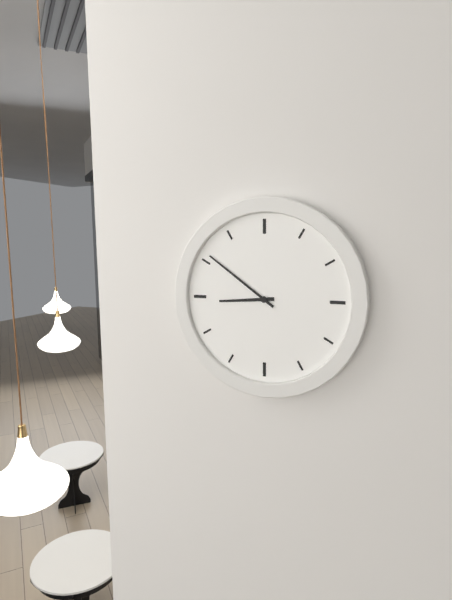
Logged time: 8:51
